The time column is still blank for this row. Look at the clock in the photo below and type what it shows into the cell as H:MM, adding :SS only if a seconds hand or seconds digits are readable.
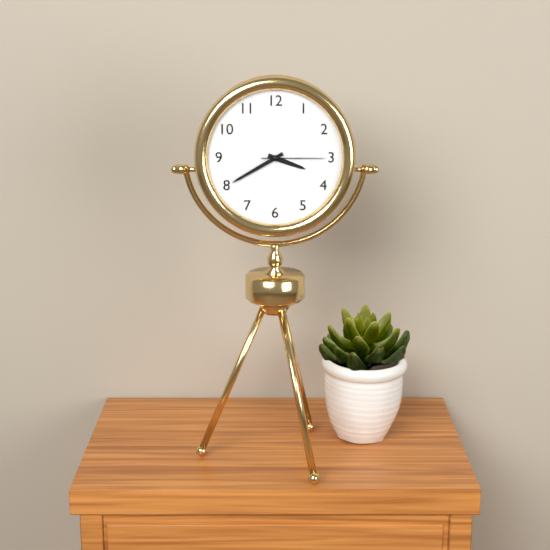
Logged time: 3:40:15
